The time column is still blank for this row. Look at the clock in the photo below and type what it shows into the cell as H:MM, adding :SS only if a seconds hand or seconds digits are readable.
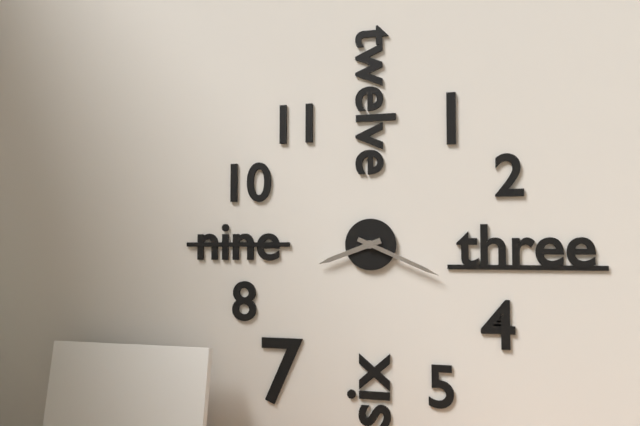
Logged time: 8:19
